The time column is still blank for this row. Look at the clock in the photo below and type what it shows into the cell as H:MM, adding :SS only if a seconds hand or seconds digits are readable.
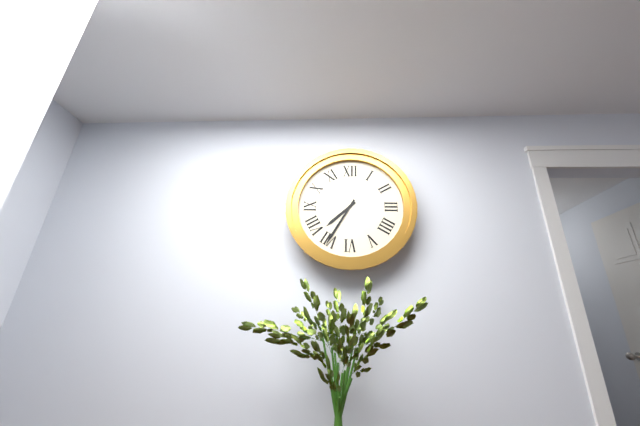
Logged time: 7:35
